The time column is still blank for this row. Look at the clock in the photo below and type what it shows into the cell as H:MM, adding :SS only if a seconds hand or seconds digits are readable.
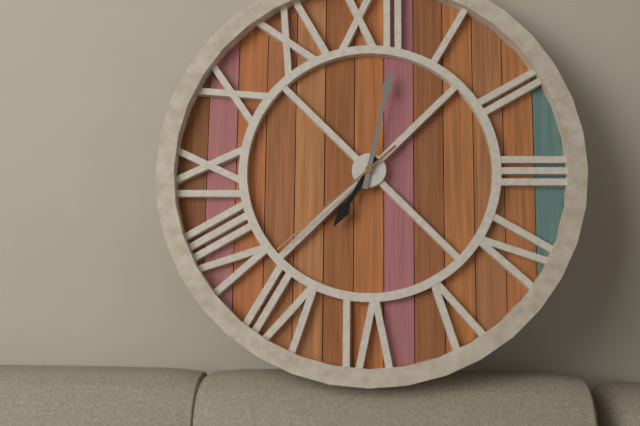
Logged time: 7:02:38
